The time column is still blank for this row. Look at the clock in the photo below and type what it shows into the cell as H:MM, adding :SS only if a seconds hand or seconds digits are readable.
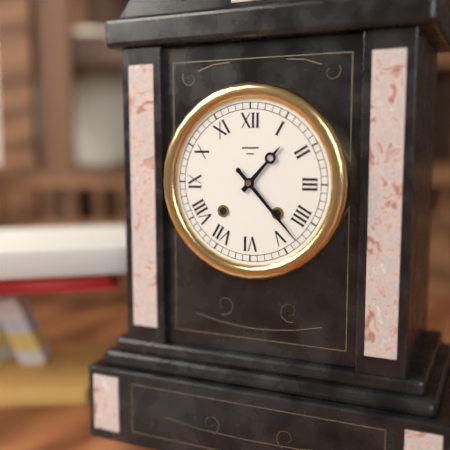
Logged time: 1:23
